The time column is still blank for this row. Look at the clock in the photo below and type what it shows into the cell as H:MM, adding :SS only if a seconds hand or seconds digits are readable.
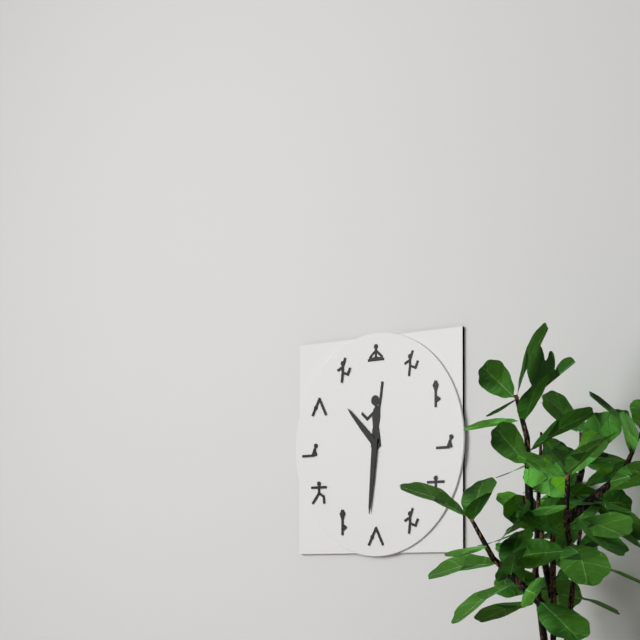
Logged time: 10:31
